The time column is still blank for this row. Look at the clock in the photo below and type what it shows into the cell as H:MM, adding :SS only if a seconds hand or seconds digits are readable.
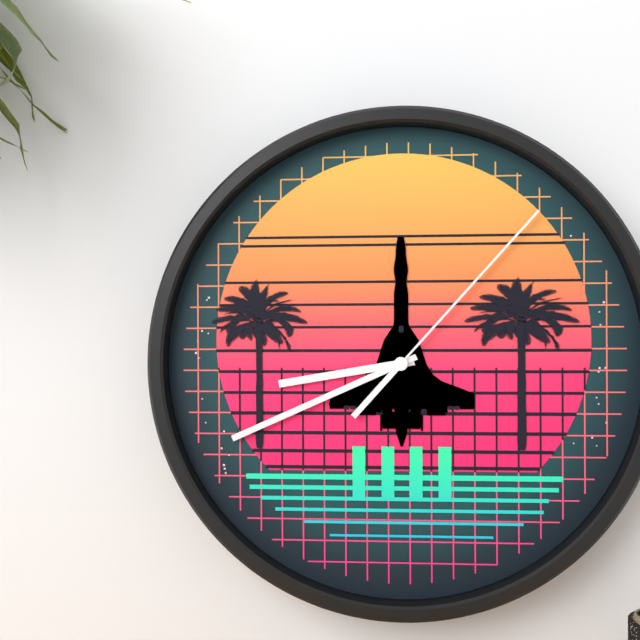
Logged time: 8:41:07
